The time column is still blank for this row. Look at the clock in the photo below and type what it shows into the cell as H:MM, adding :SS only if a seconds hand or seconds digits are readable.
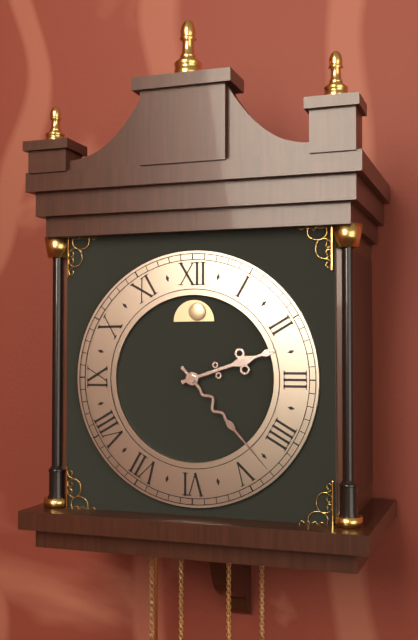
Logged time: 2:23
